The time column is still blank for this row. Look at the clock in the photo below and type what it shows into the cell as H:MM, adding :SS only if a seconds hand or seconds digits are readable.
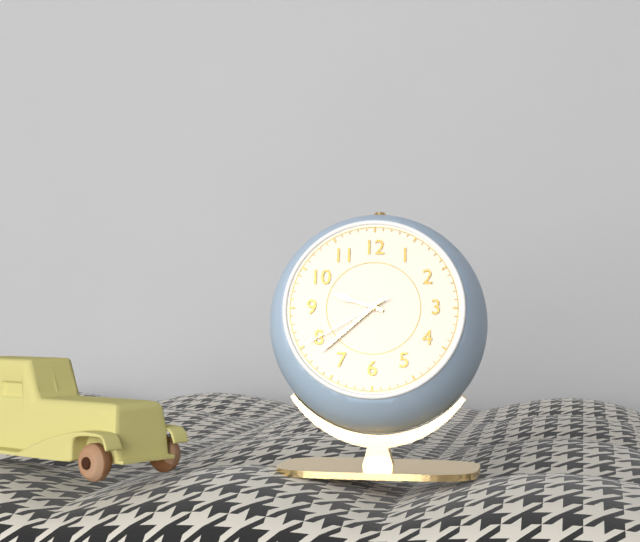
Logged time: 9:38:40
